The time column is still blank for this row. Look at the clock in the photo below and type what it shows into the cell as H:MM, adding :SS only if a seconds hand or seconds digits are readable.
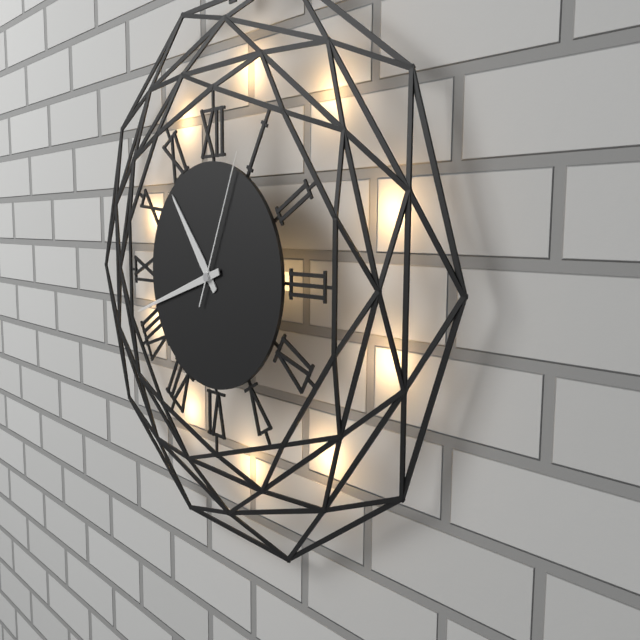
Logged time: 10:42:04
